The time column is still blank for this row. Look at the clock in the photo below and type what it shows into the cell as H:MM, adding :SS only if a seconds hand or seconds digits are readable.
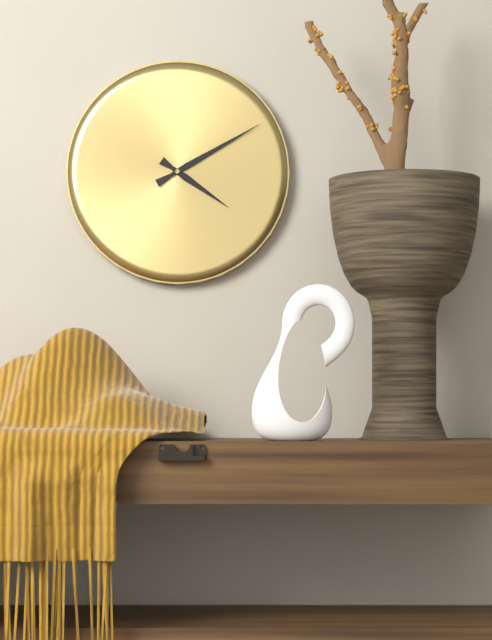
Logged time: 4:10
